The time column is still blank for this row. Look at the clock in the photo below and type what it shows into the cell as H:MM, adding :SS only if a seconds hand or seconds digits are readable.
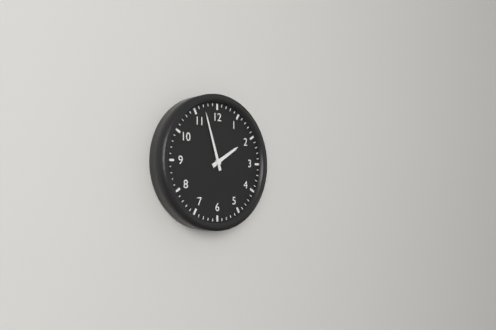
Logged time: 1:57
